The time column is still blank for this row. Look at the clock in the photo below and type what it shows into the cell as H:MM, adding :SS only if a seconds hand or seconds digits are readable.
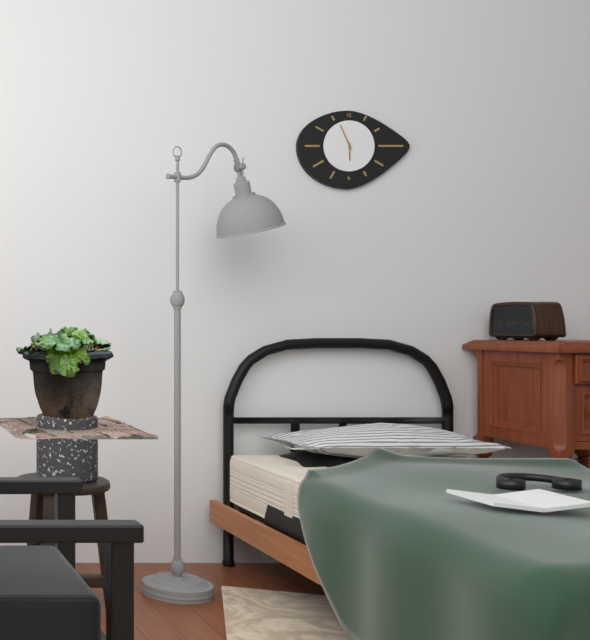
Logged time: 5:56
